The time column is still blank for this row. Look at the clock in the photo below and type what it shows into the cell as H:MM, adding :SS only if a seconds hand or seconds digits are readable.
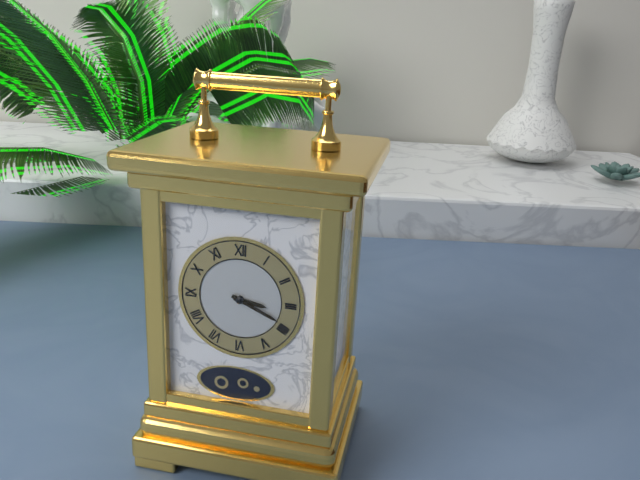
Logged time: 3:19
